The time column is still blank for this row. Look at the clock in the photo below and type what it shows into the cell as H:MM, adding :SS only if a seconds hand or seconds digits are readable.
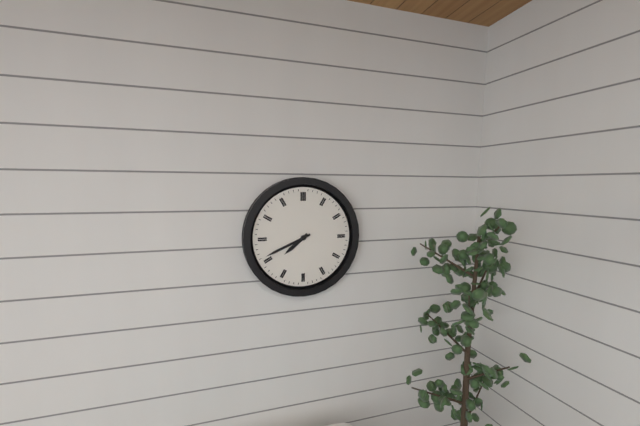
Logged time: 7:41
